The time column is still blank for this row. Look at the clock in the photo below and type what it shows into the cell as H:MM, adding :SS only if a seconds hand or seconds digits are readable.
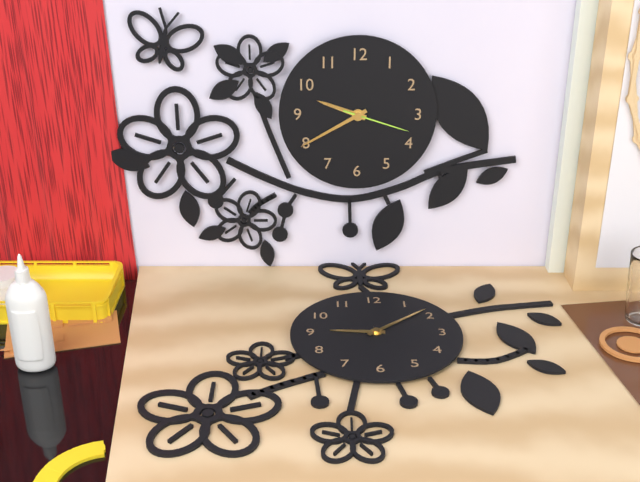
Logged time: 9:40:18
